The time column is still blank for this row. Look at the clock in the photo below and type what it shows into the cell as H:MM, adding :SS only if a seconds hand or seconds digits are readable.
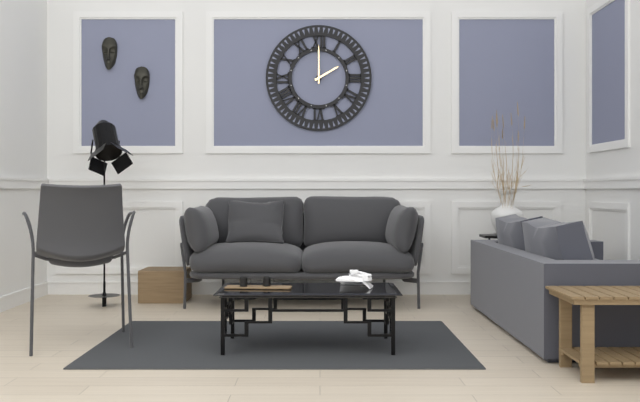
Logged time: 2:00
